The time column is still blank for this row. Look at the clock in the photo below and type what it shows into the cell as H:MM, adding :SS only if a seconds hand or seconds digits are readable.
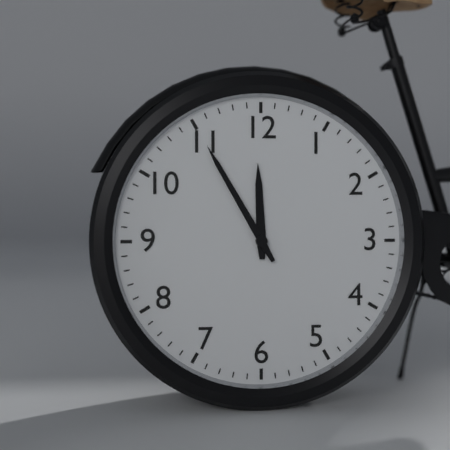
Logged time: 11:55
